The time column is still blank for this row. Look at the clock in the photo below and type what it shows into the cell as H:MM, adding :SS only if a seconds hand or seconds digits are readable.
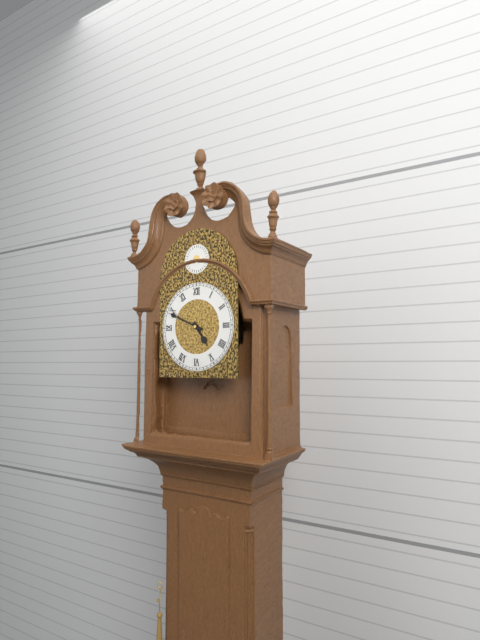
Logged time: 4:49
